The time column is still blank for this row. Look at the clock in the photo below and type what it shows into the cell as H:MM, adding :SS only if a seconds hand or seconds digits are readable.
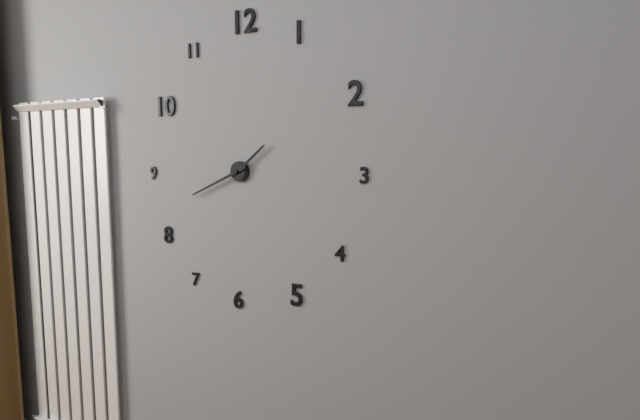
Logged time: 1:41
